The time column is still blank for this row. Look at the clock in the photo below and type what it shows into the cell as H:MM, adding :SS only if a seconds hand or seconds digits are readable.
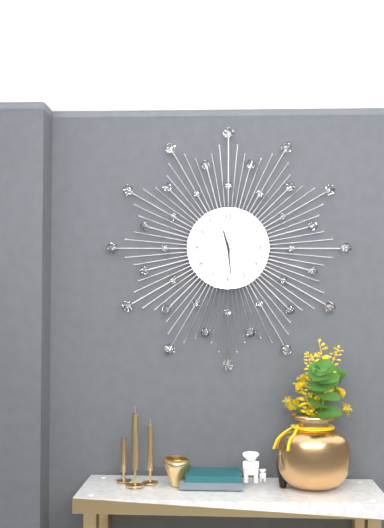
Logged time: 11:29
